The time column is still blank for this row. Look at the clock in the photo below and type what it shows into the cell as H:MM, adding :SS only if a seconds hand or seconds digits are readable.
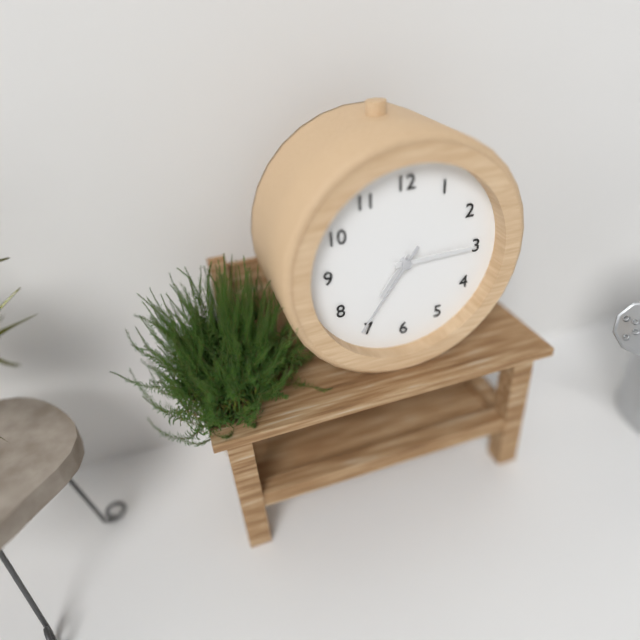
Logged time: 7:15:36
